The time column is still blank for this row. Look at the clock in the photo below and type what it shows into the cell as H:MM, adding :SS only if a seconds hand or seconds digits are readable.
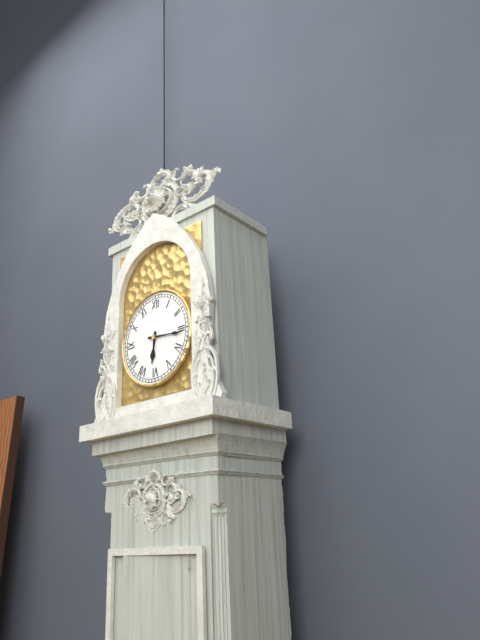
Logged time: 6:16
